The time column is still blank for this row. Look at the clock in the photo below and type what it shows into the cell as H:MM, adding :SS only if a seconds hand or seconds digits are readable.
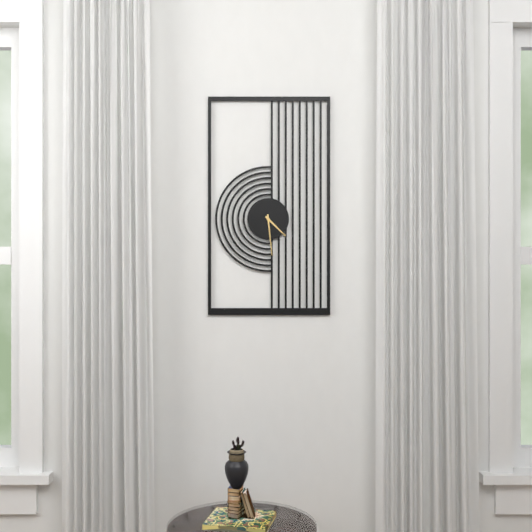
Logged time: 4:29
